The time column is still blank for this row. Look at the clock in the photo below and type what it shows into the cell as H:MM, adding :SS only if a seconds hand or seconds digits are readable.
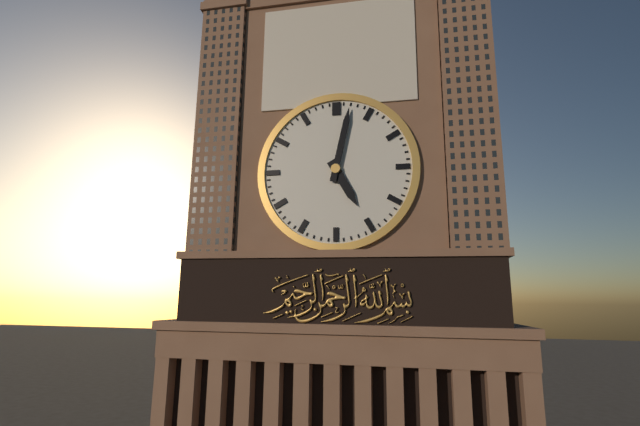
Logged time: 5:02
